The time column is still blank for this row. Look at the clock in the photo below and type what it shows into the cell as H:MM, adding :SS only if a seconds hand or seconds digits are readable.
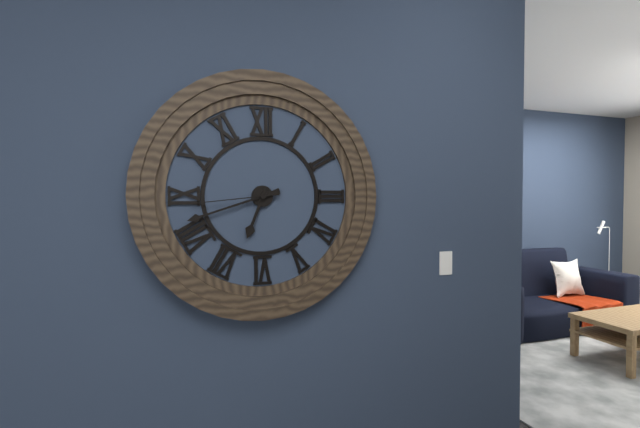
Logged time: 6:42:44
